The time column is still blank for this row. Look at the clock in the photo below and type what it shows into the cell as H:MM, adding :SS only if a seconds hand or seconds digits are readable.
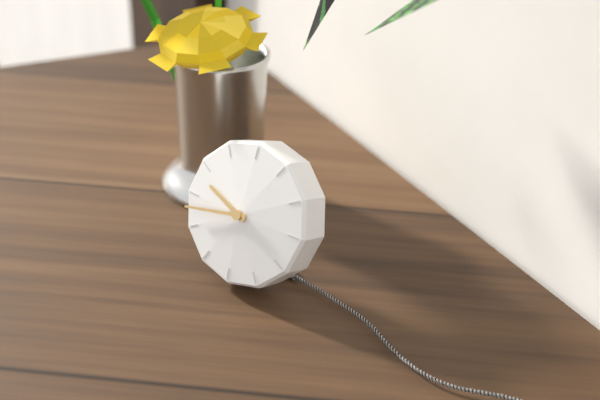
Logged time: 9:43
